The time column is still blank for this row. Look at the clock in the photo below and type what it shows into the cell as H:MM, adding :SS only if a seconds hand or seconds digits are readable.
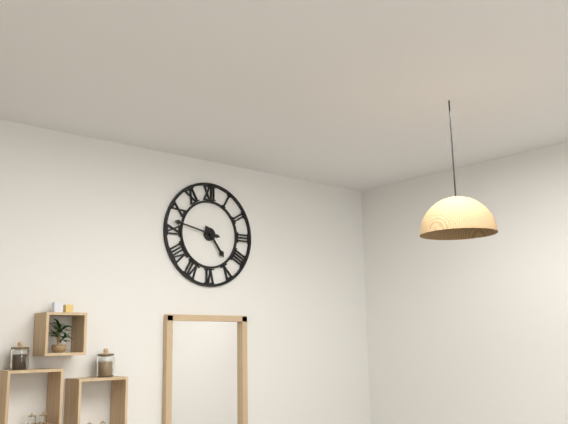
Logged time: 4:47
